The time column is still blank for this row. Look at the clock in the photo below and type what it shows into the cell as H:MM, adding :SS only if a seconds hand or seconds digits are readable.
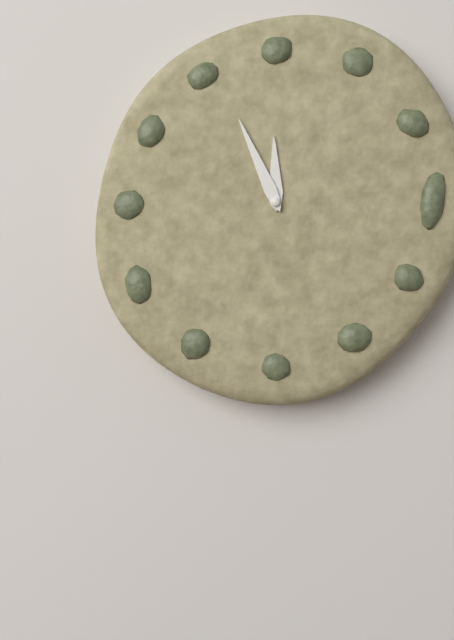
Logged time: 11:56
